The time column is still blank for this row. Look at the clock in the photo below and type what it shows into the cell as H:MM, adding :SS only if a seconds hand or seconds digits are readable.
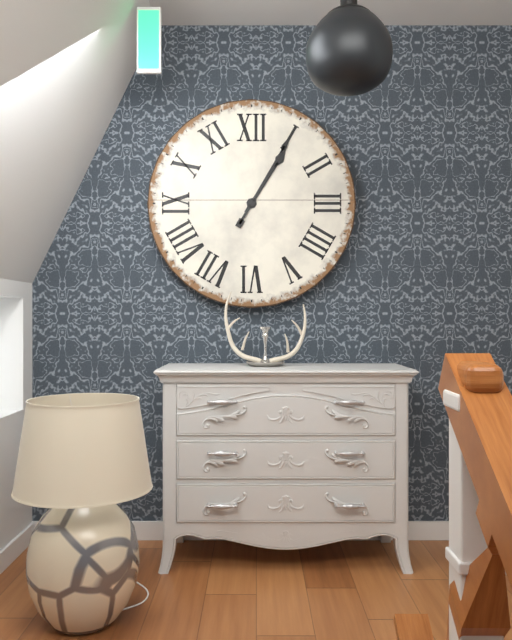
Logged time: 1:05
